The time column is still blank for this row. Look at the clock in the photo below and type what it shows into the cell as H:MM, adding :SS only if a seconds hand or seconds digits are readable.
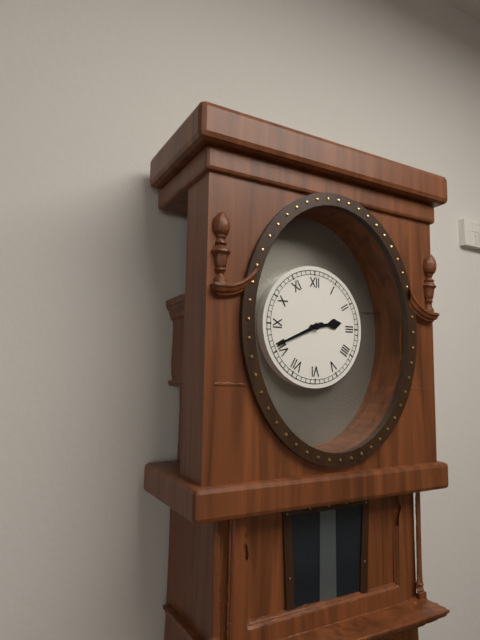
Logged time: 2:41
